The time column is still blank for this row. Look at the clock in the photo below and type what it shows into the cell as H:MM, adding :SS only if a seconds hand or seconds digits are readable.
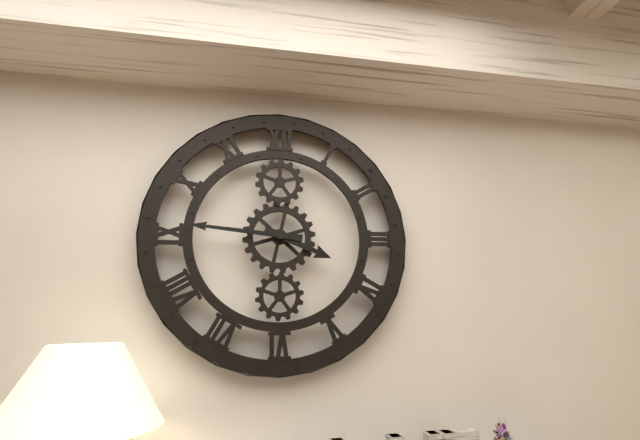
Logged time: 3:46
